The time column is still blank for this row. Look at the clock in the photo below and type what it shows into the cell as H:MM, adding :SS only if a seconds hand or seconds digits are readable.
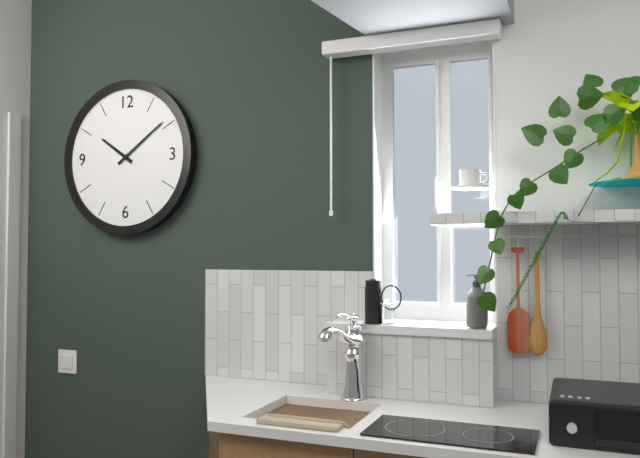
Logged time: 10:09
